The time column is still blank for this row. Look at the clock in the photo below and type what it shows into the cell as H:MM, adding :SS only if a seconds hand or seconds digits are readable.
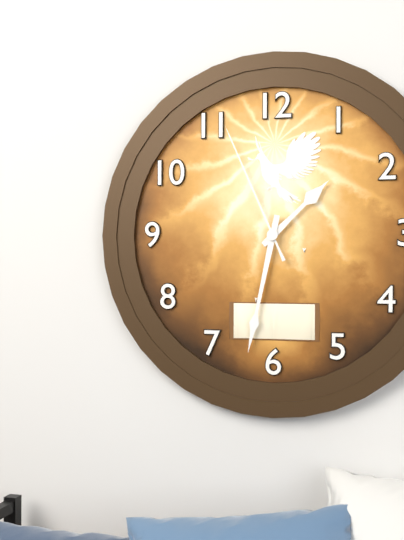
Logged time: 1:32:56
